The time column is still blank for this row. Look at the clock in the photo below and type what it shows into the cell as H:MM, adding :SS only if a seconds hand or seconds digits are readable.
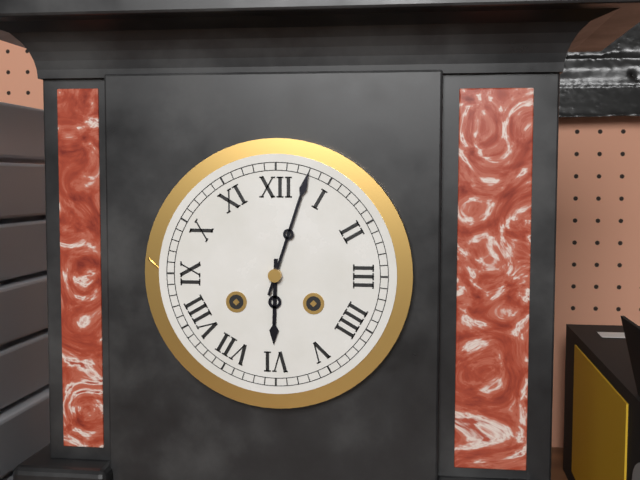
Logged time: 6:03
